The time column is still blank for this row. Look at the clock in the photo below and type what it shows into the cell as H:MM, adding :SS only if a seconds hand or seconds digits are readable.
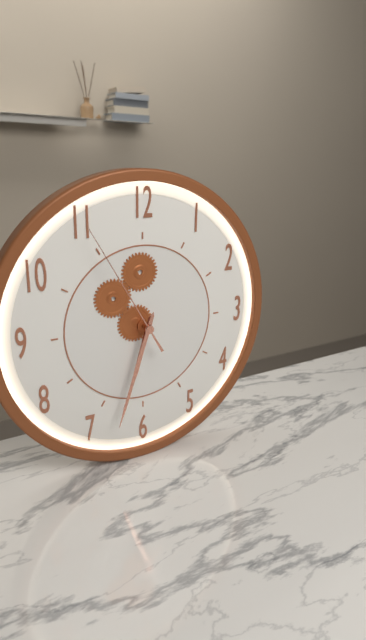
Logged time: 6:33:55
